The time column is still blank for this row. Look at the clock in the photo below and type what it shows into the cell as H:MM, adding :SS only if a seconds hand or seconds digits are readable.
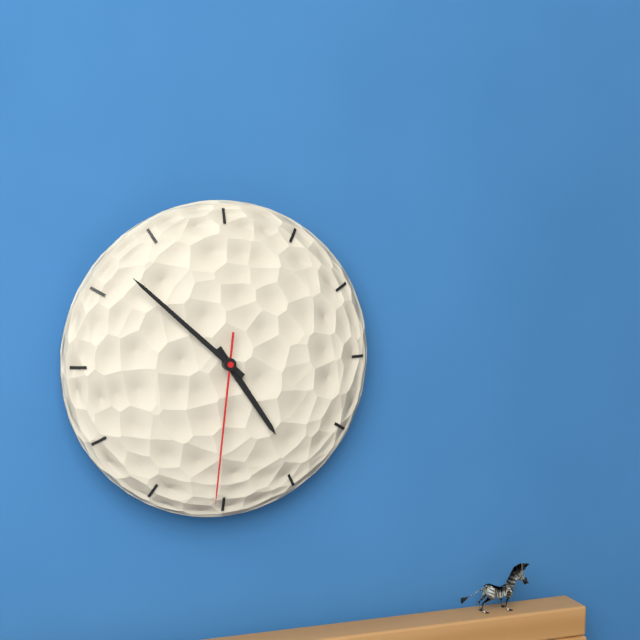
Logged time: 4:52:31
